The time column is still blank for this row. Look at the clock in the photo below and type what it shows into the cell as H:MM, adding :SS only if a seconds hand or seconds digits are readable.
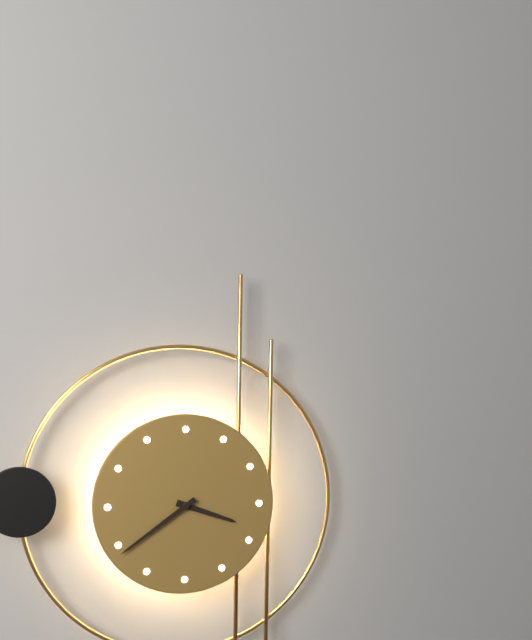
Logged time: 3:39
